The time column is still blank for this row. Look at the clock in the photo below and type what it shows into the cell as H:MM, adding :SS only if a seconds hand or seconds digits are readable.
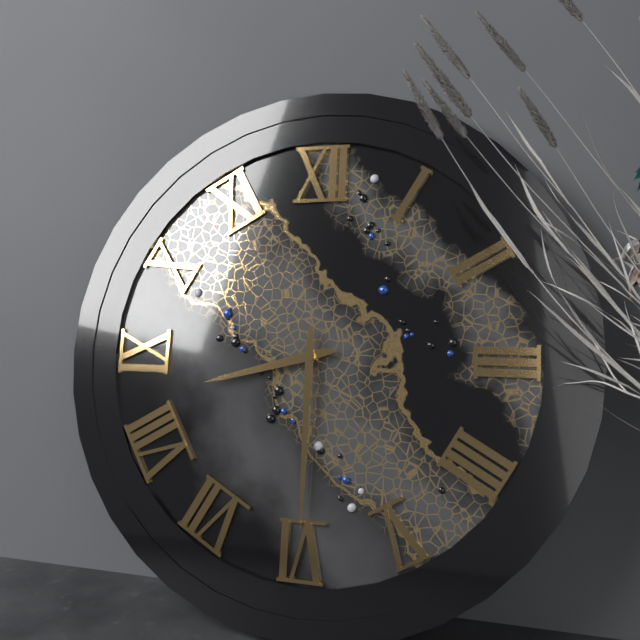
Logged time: 8:30
